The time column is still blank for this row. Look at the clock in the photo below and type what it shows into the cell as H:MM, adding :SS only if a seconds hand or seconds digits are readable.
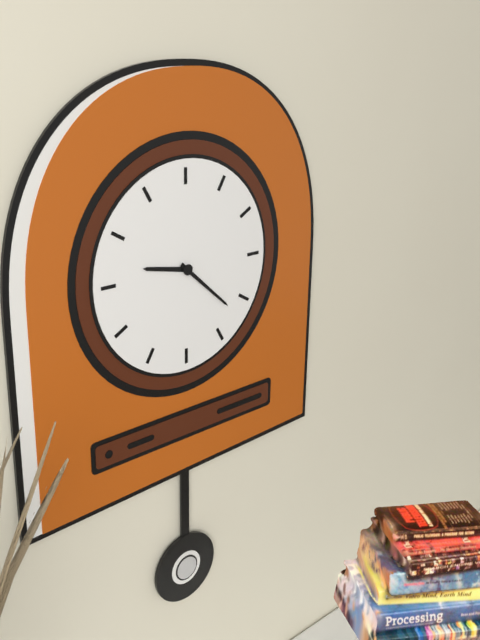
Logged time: 9:22
